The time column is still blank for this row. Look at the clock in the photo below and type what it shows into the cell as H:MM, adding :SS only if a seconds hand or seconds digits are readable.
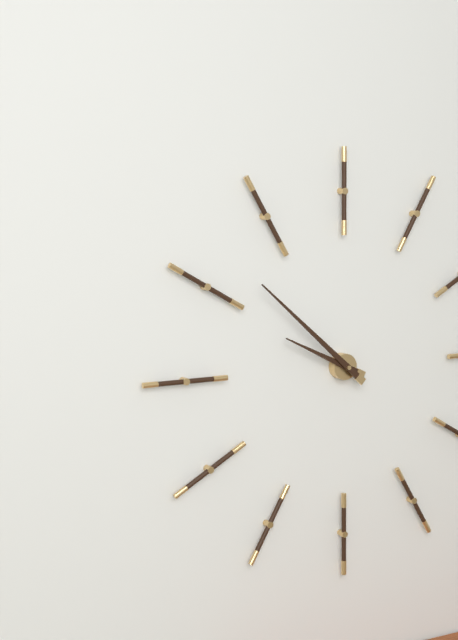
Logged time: 9:52
